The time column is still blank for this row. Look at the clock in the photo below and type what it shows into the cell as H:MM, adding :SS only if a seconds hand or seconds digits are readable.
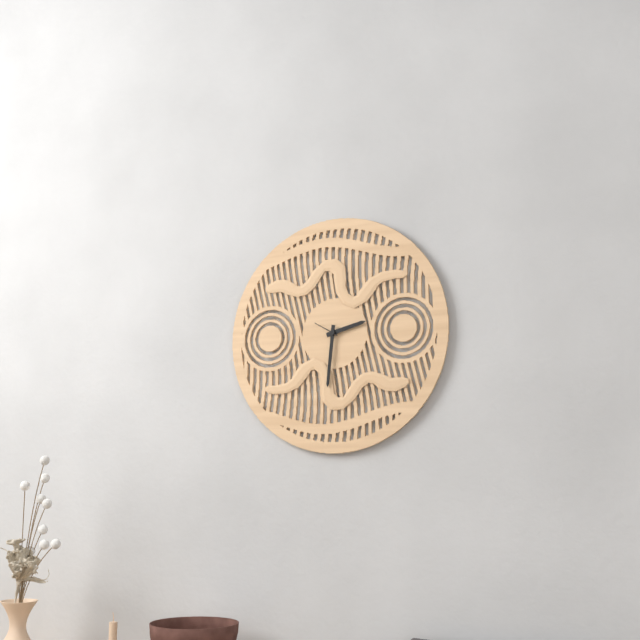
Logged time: 2:31
